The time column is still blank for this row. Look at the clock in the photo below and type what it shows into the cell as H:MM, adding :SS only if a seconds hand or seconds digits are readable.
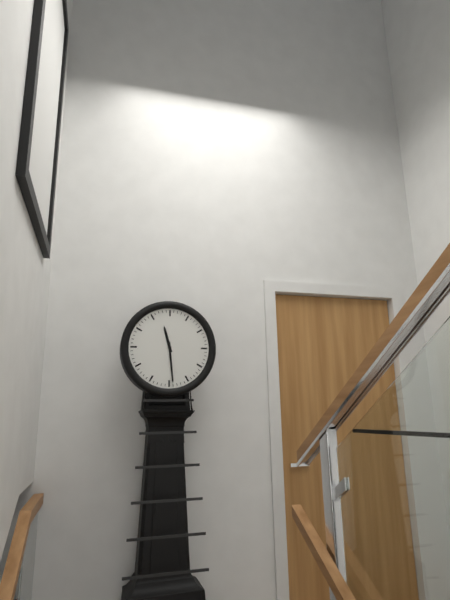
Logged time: 11:29
